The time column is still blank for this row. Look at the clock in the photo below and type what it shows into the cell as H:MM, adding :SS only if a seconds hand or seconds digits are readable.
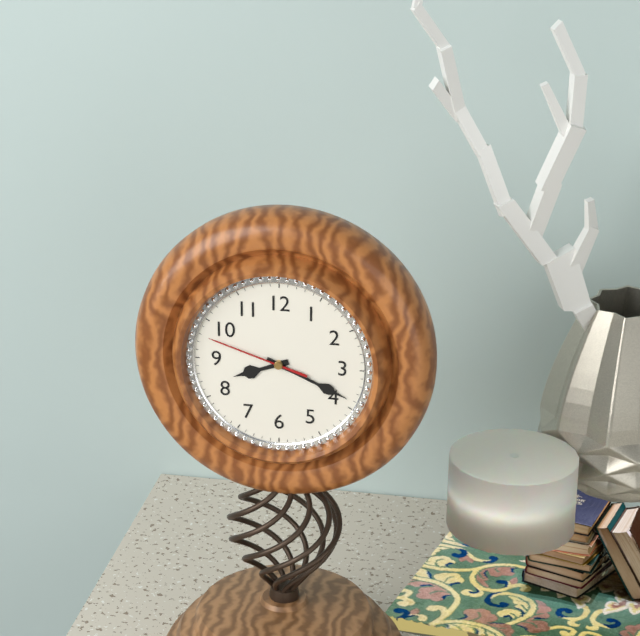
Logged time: 8:19:48
